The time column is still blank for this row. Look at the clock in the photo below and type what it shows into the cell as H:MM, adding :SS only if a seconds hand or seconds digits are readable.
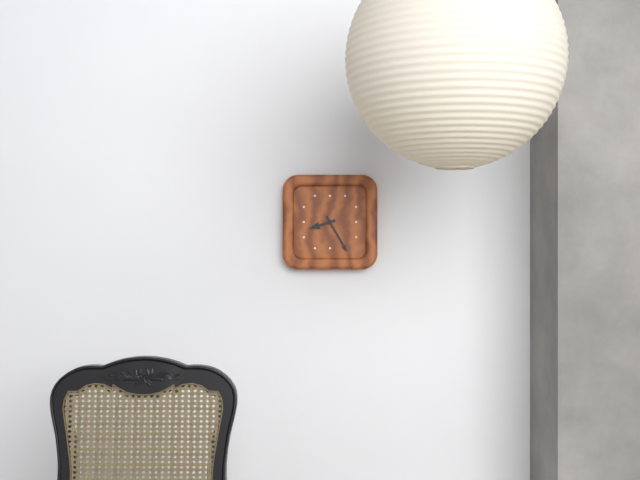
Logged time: 8:25
